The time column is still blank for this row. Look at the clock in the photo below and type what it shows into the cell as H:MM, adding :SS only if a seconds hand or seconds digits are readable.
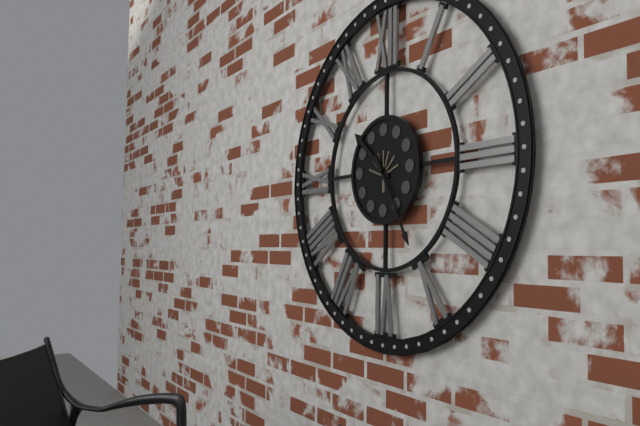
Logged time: 10:25
